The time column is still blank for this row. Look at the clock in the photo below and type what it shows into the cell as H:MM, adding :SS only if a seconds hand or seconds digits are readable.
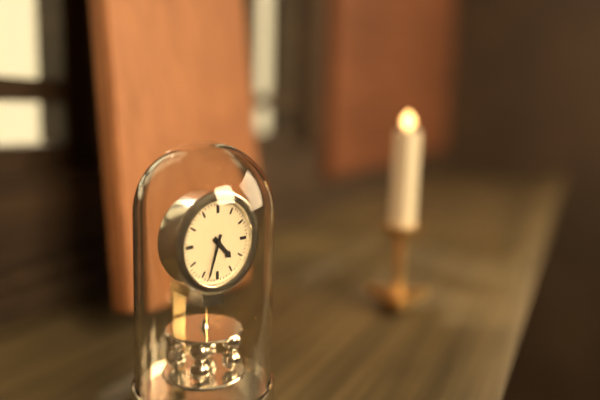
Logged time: 4:33
